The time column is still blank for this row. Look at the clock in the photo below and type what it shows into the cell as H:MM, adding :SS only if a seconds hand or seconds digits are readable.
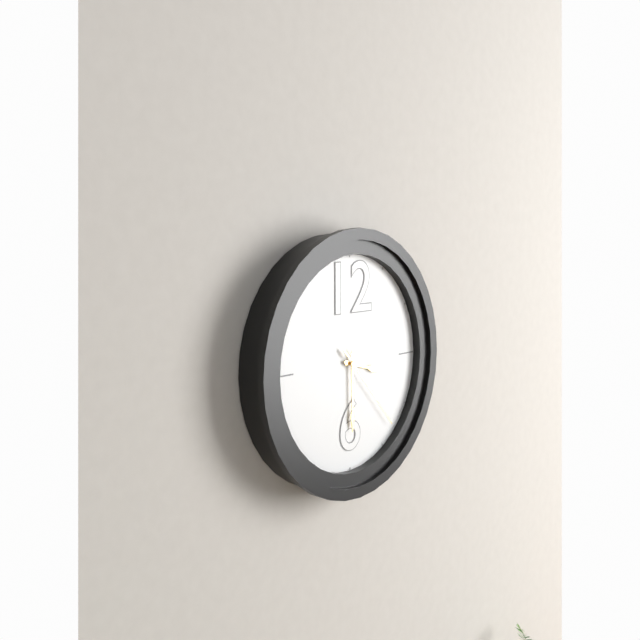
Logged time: 3:30:23
